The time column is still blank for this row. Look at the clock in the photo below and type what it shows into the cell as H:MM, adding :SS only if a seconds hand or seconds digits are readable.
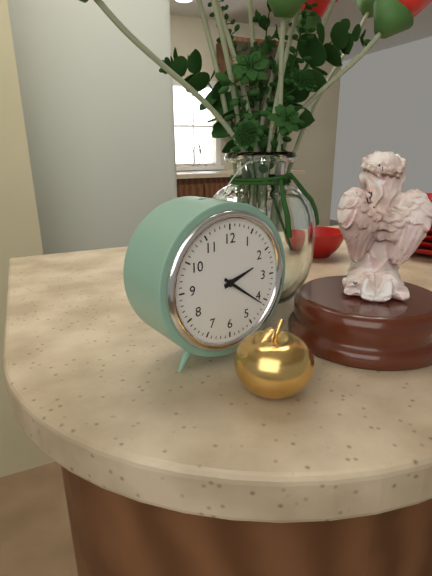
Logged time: 2:21
